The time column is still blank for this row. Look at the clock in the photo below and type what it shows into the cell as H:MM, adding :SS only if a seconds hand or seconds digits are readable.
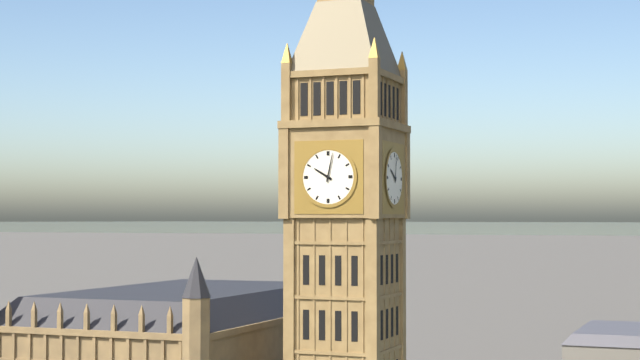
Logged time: 10:02
